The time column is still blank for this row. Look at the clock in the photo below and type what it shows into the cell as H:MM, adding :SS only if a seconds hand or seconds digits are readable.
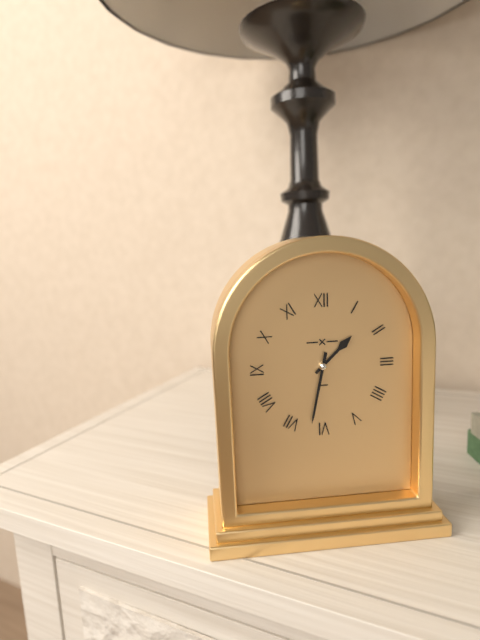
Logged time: 1:32
